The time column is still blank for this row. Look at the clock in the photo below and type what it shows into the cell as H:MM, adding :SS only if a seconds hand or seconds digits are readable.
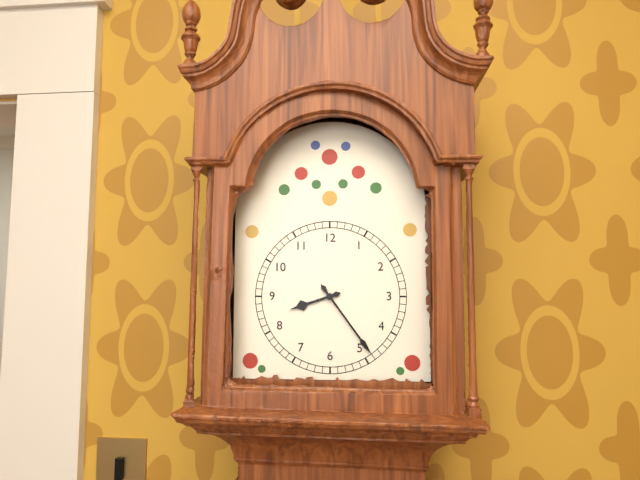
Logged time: 8:24
